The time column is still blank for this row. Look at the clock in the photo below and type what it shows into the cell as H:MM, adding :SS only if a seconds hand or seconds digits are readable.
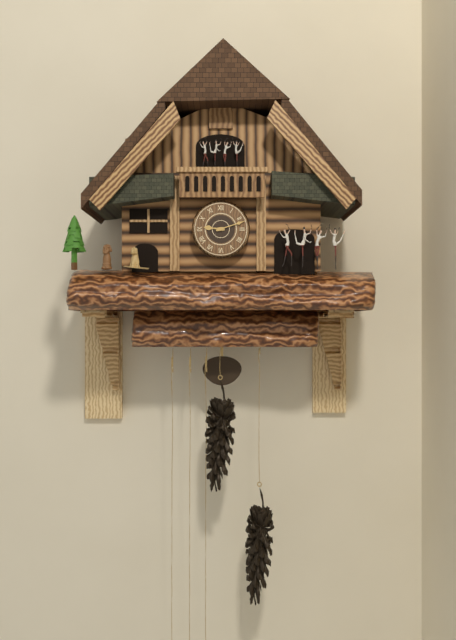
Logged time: 9:12
